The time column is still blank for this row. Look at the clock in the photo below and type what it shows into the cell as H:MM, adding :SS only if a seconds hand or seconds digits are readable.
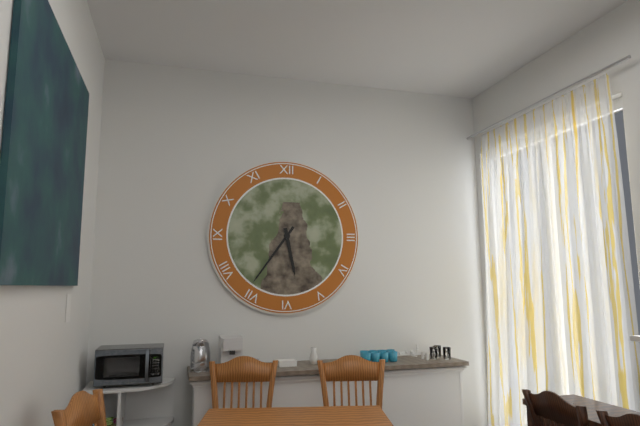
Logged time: 5:36
